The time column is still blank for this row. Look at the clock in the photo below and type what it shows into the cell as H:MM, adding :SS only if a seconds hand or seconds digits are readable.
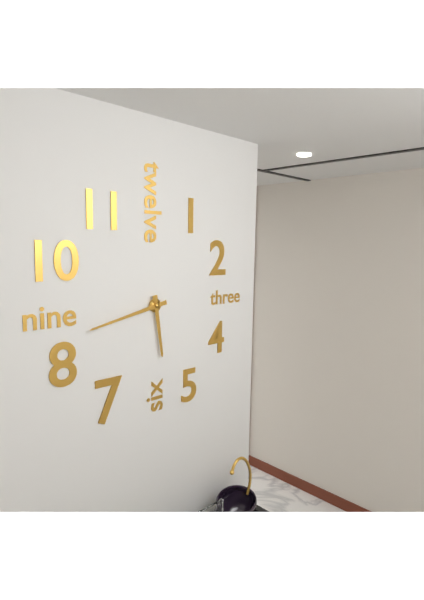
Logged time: 5:43
